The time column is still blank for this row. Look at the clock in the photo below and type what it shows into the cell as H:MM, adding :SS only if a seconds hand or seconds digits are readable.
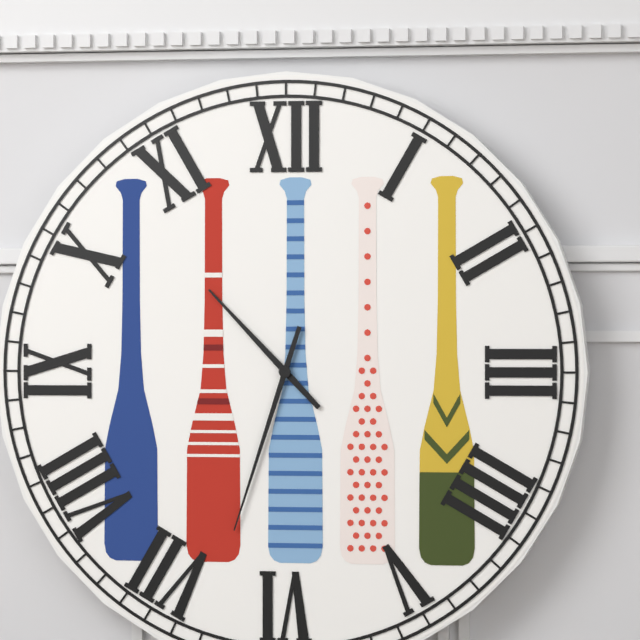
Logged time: 10:33
